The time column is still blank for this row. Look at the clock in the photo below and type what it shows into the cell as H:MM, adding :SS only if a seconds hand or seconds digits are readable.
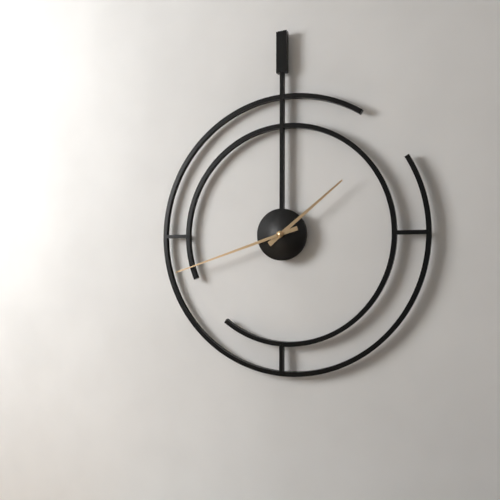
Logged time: 1:42
